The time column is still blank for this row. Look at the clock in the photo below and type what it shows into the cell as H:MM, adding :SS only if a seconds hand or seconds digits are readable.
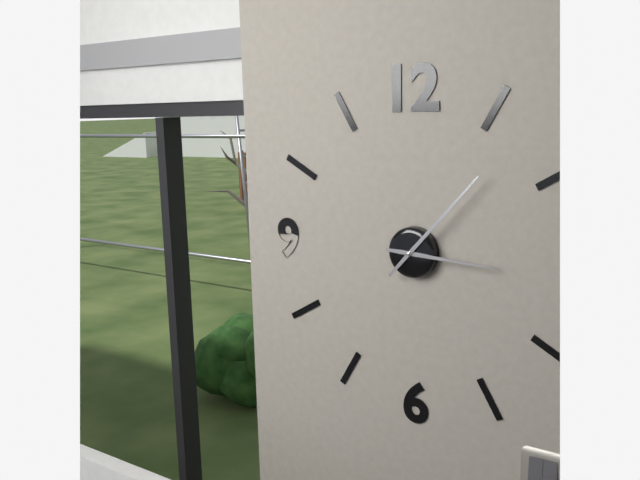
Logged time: 3:07
